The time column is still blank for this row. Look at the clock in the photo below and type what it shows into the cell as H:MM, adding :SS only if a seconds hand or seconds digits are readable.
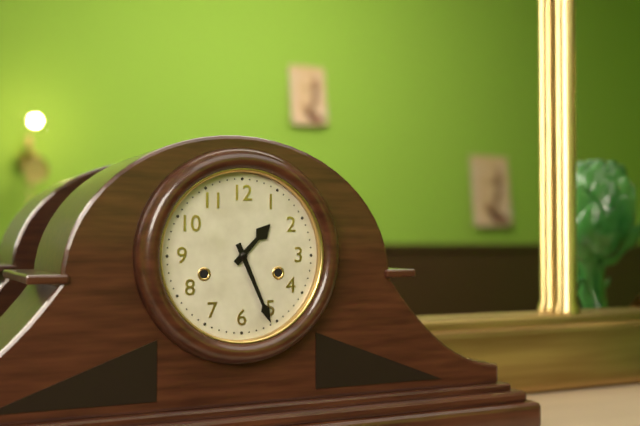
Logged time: 1:26
